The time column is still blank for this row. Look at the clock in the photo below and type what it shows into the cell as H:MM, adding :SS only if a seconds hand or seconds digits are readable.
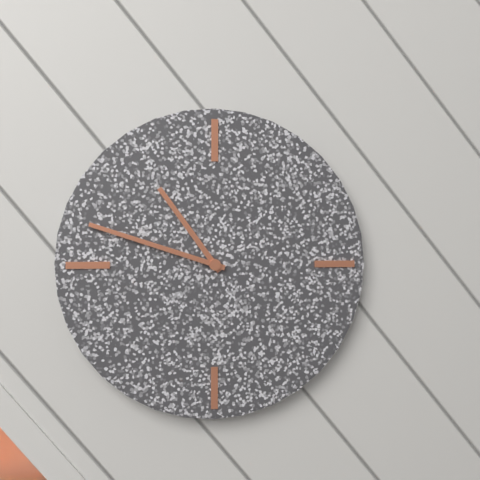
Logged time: 10:48
